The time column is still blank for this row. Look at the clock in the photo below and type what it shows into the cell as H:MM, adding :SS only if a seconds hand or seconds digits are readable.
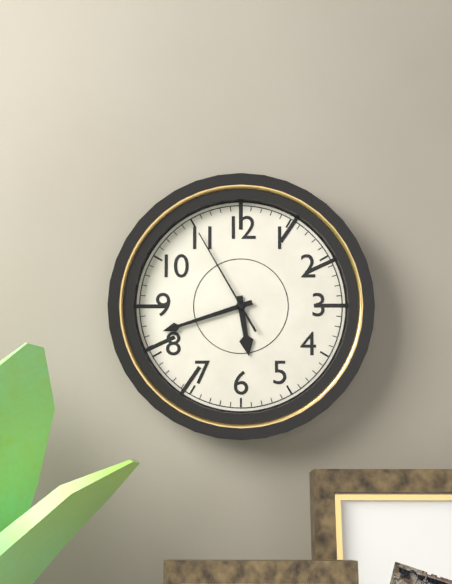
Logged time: 5:42:55
